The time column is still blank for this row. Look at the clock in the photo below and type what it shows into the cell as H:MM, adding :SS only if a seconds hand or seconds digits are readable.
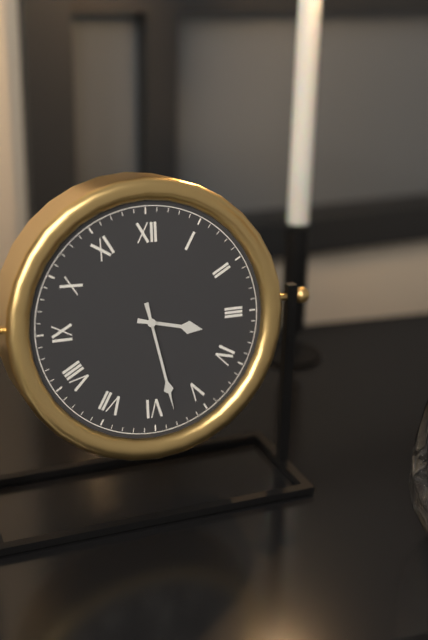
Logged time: 3:28
